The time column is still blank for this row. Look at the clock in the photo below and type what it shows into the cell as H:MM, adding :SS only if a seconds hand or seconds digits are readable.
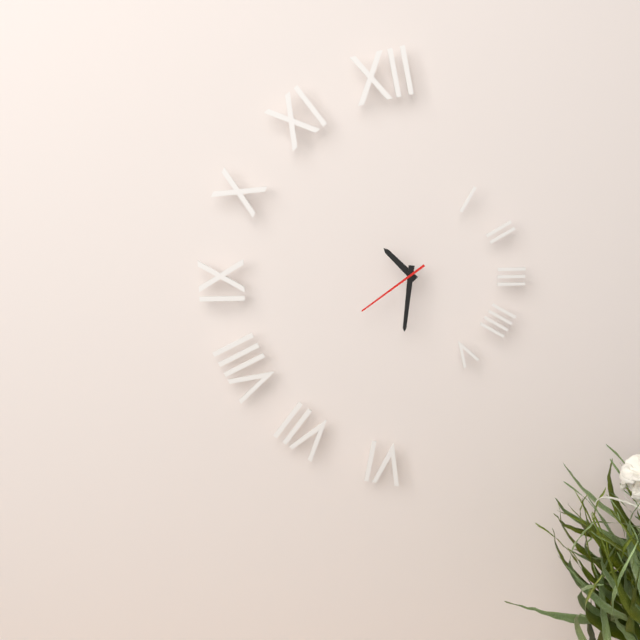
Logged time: 10:31:39
